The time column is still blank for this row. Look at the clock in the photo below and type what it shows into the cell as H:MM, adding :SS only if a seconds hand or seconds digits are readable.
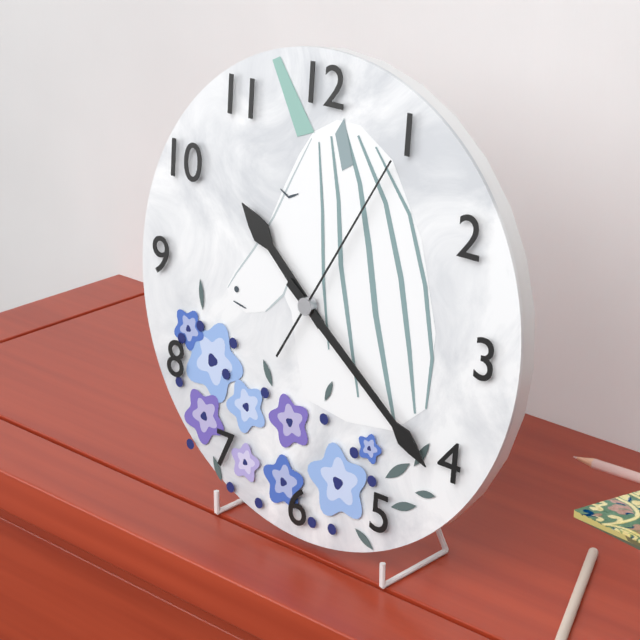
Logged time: 10:21:05
